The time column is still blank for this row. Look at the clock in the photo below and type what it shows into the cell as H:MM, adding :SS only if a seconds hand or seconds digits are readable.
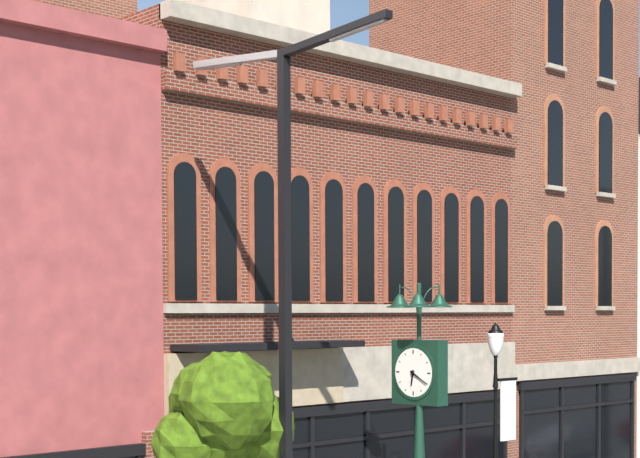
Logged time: 6:20
